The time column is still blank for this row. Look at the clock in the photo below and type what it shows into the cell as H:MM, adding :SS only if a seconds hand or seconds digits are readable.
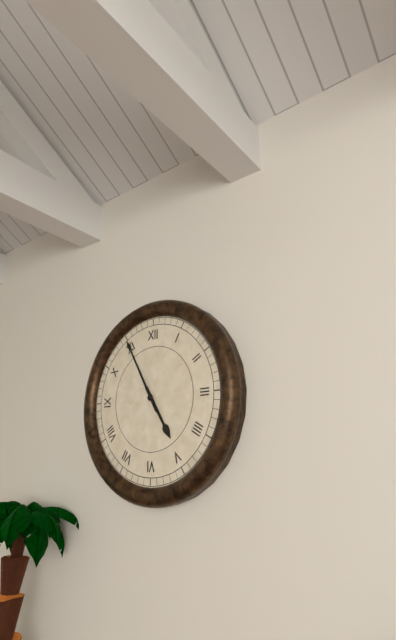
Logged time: 4:55
